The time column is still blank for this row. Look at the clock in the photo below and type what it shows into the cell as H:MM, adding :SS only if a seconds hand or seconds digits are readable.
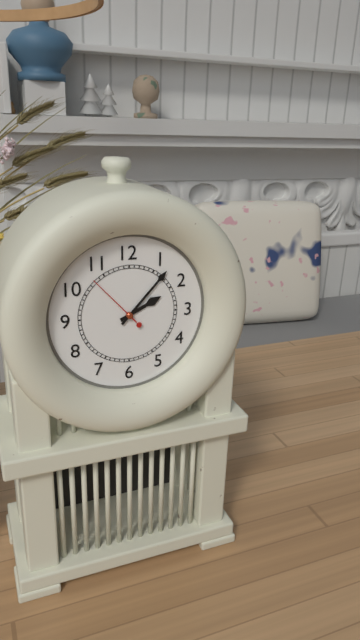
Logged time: 2:07:53
